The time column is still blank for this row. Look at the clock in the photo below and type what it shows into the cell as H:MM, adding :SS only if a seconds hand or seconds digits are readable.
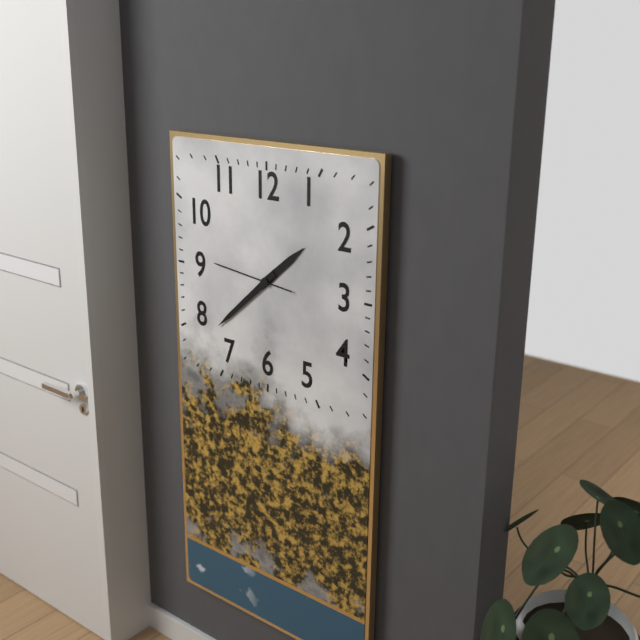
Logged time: 1:38:46
